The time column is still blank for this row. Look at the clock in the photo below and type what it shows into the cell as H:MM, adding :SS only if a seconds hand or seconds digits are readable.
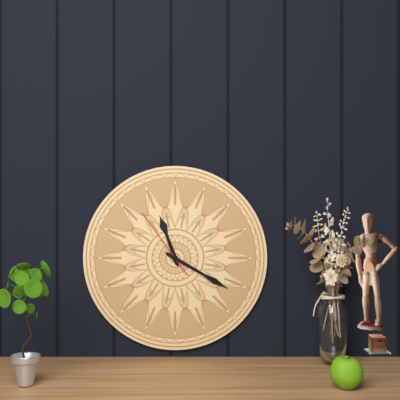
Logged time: 11:20:54
